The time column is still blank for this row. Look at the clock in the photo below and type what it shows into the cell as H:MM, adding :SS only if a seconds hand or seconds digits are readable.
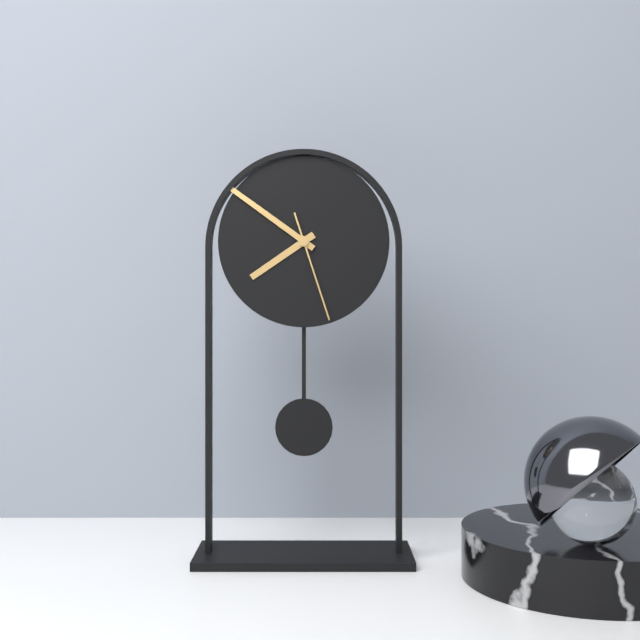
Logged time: 7:51:27
